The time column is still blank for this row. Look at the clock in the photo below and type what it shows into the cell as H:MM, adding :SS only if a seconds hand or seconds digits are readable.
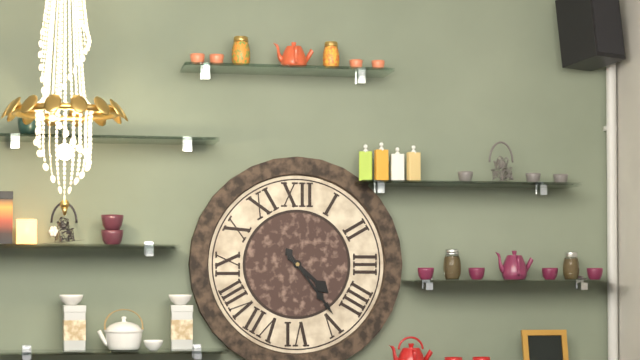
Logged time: 4:24
